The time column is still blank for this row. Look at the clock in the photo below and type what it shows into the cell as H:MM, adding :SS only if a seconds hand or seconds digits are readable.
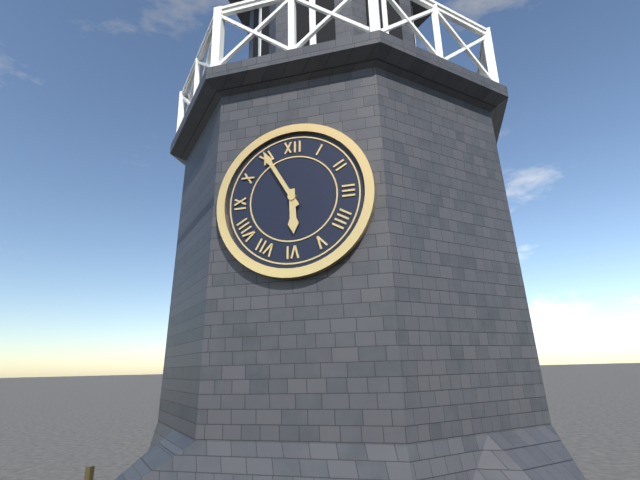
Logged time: 5:55
